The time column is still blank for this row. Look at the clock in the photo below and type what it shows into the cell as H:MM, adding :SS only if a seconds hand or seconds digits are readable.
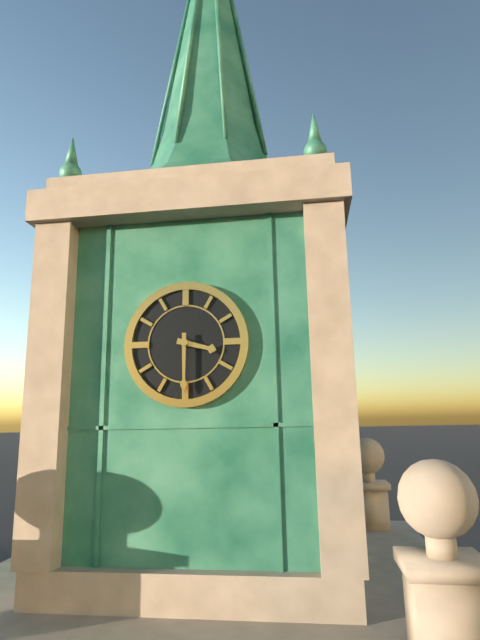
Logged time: 3:30
